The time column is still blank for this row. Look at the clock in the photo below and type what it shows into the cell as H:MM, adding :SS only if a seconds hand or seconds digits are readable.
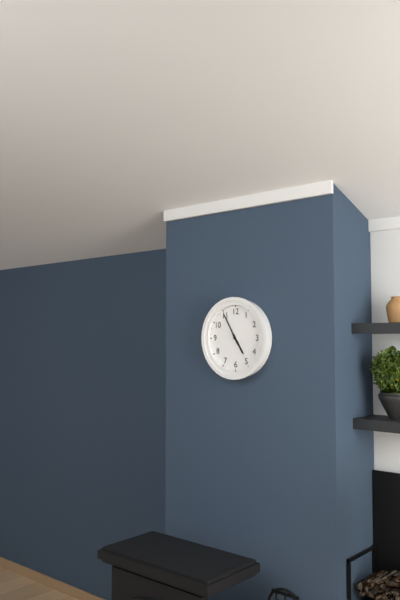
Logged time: 4:55
